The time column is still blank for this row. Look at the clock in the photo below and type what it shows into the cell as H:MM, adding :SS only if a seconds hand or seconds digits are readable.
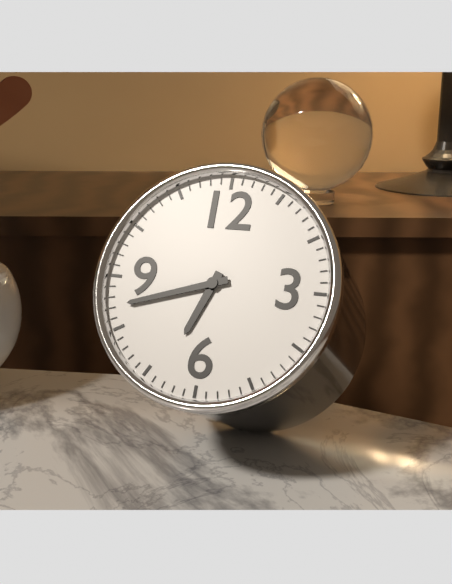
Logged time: 6:42
